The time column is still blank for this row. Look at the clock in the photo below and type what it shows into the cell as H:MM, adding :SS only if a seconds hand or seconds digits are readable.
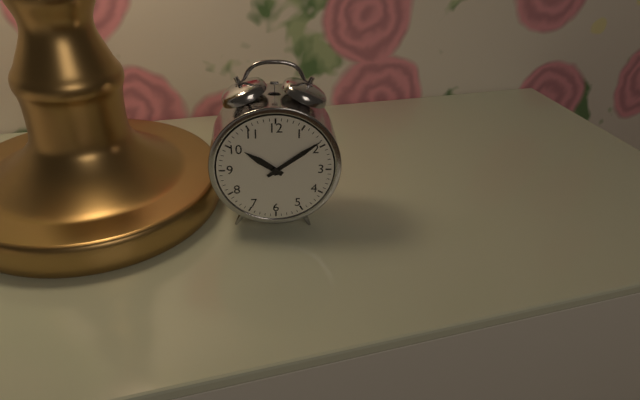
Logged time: 10:09
